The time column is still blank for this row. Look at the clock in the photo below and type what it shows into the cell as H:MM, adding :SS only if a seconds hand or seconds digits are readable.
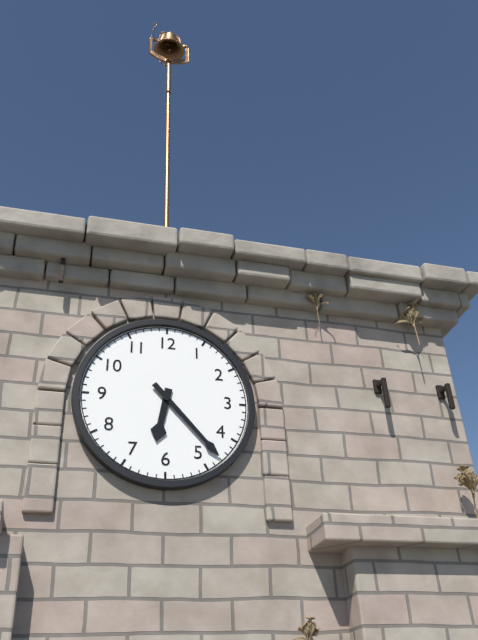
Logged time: 6:23
